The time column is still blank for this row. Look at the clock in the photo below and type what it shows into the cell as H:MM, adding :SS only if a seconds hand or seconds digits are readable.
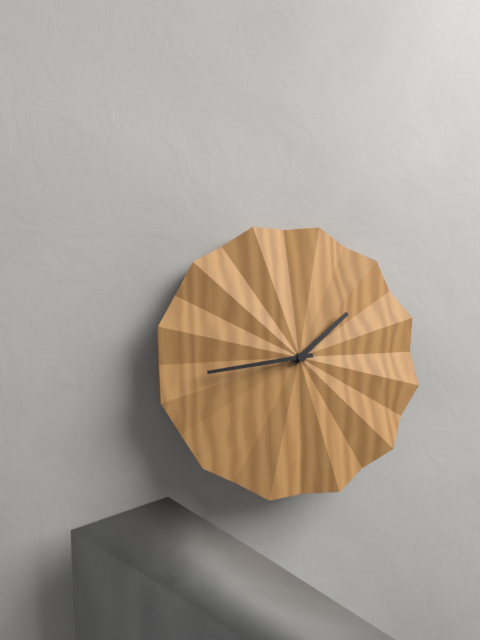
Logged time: 1:44
